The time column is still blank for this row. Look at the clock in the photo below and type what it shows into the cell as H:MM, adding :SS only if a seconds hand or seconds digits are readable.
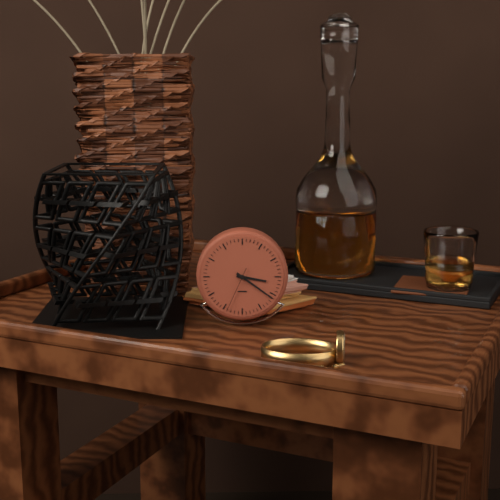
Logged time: 3:21
